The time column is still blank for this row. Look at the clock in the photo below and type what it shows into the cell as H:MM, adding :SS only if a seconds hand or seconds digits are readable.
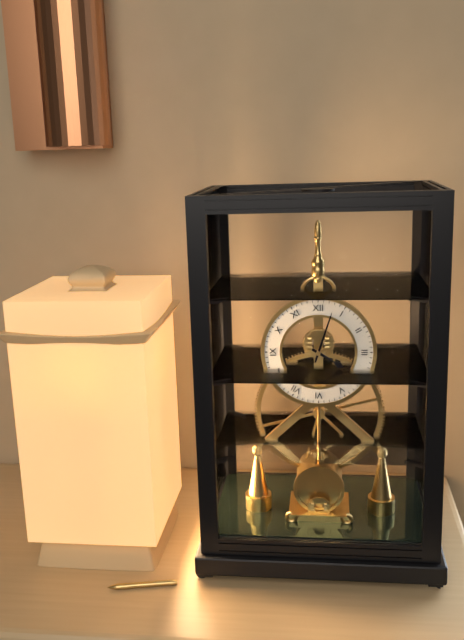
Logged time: 4:03
